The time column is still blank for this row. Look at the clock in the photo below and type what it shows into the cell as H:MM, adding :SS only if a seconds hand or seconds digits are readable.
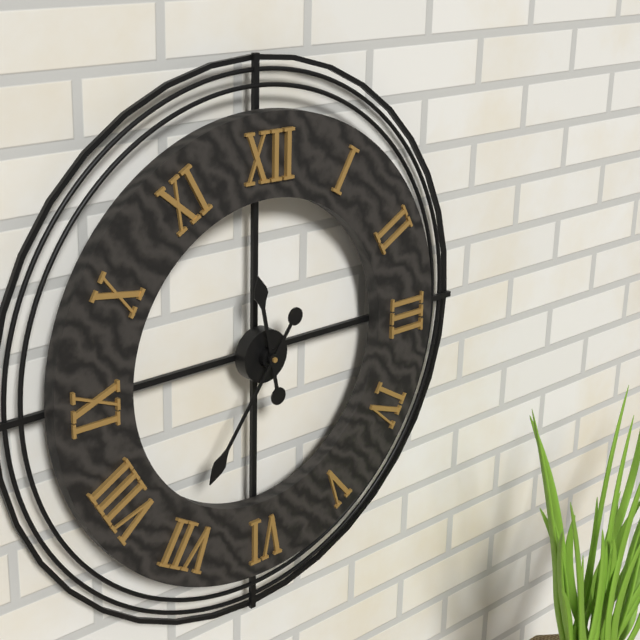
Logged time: 11:36
